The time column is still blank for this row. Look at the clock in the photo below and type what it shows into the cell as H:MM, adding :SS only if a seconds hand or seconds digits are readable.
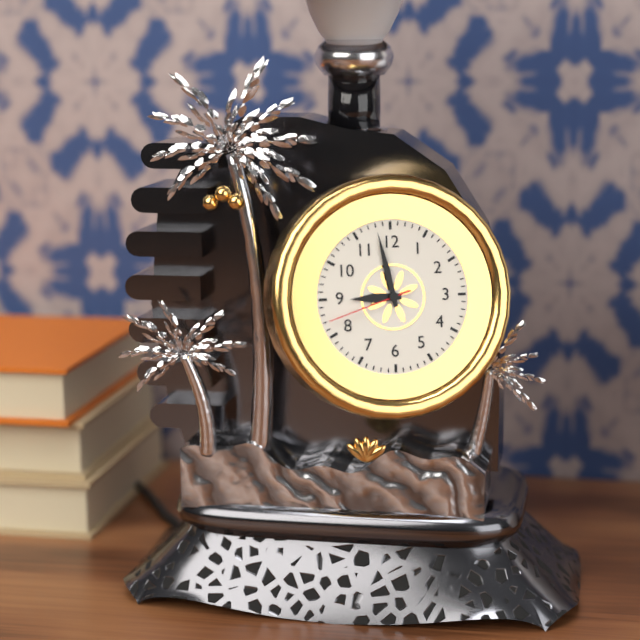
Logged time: 8:58:42
